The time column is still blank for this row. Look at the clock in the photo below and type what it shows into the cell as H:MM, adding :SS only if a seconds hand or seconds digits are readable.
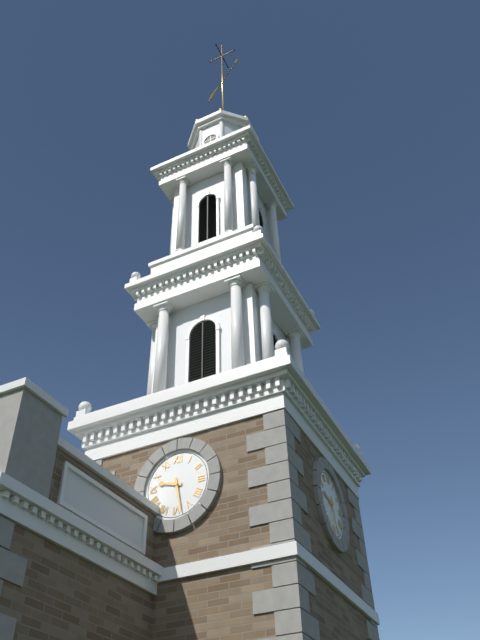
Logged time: 9:28
